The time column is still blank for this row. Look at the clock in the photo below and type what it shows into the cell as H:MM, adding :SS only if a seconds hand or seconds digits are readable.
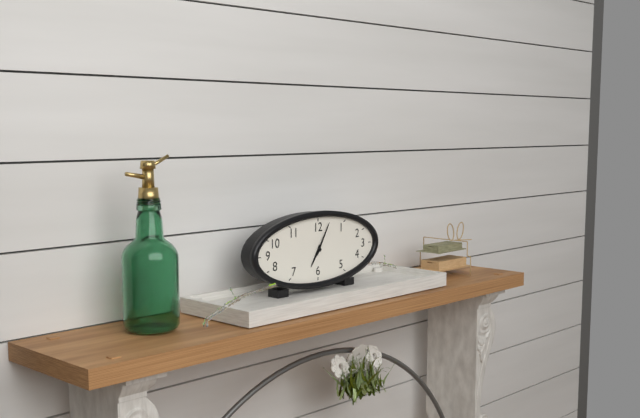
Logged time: 7:05
